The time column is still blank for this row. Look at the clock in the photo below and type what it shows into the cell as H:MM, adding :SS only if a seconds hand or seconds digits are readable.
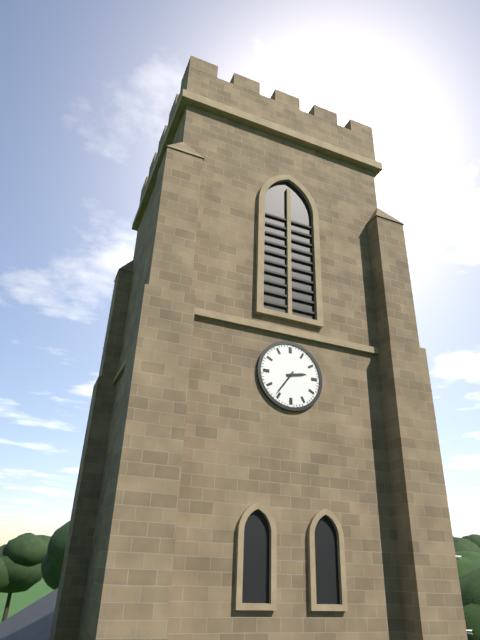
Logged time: 2:36
